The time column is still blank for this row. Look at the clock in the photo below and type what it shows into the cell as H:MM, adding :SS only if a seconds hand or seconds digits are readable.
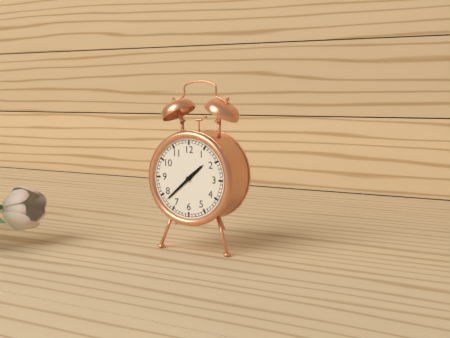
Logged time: 1:38
